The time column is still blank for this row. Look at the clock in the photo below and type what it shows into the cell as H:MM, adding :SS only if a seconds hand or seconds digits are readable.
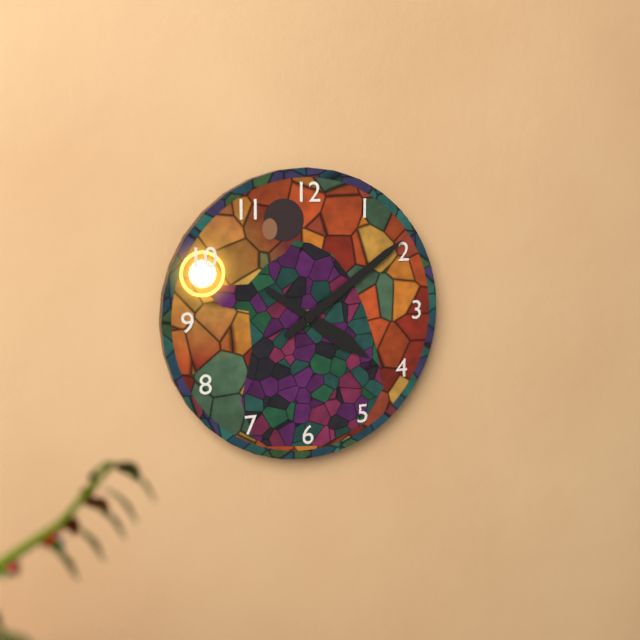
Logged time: 4:09
